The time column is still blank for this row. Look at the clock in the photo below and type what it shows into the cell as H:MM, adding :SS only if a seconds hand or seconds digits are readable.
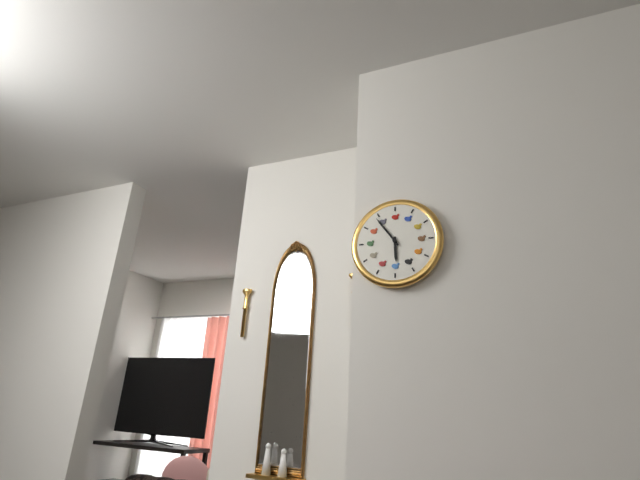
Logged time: 5:54
